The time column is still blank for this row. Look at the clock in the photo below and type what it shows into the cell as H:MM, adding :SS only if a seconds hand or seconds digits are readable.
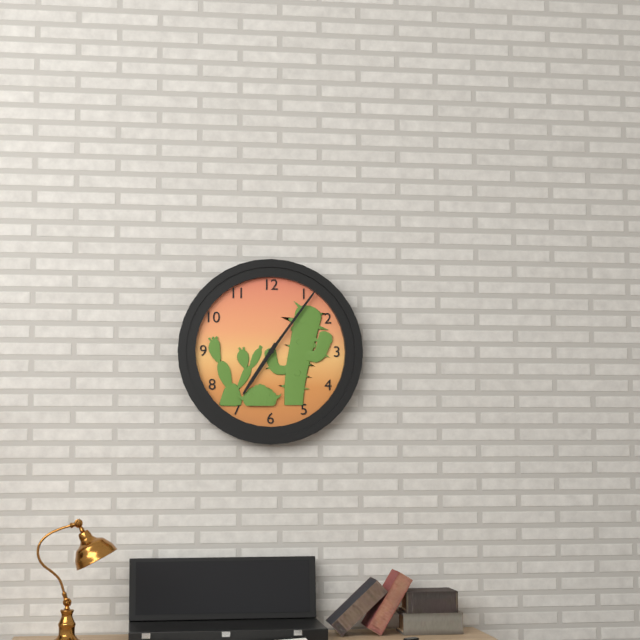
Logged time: 7:06
